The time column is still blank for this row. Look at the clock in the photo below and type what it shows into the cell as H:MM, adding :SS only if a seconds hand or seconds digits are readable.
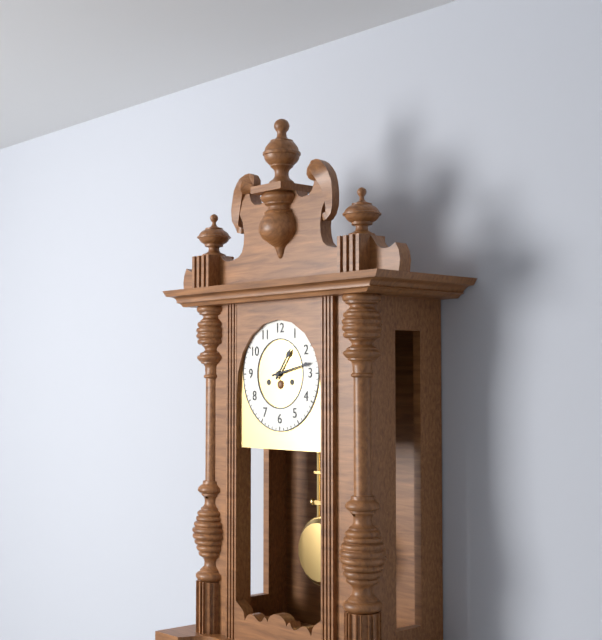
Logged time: 1:13
